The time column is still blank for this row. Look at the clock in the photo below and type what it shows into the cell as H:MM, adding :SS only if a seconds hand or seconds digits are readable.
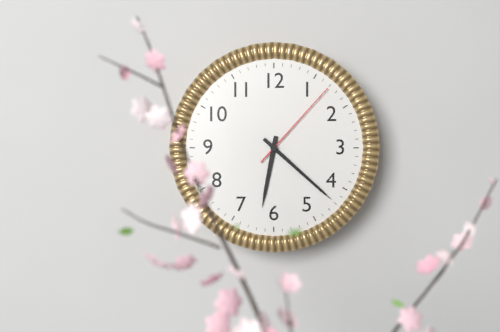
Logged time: 6:22:07
